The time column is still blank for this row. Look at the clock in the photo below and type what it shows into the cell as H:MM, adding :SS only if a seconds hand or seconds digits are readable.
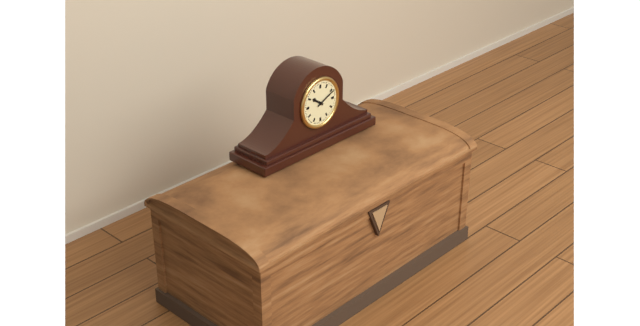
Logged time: 10:11
